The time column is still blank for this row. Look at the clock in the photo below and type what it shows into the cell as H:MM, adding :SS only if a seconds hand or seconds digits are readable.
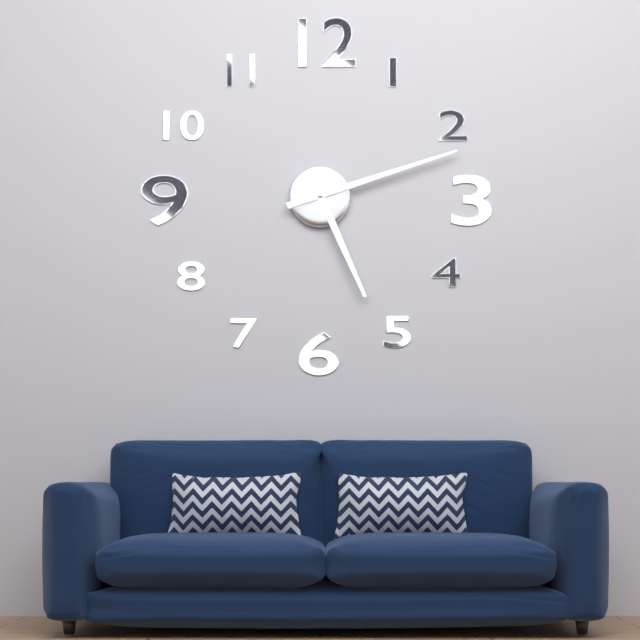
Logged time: 5:12
